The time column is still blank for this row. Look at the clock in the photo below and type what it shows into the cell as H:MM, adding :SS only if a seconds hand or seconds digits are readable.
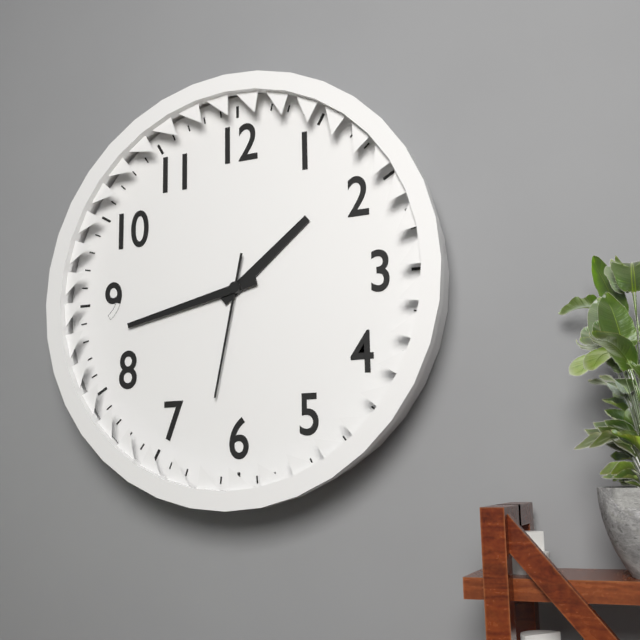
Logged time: 1:43:32
